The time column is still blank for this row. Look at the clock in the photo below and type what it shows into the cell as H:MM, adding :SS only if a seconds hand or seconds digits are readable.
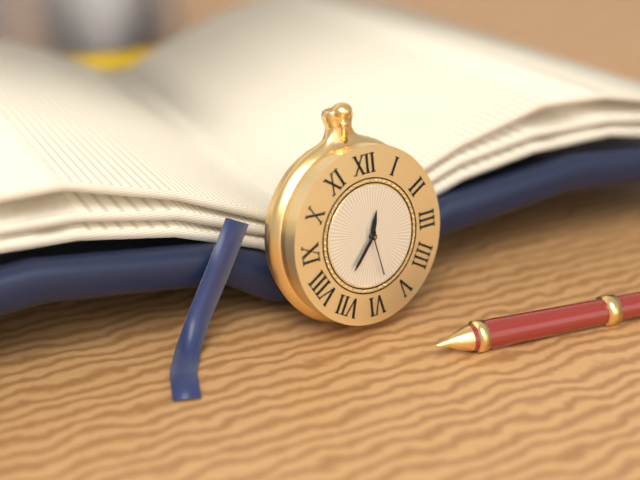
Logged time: 12:37:28
